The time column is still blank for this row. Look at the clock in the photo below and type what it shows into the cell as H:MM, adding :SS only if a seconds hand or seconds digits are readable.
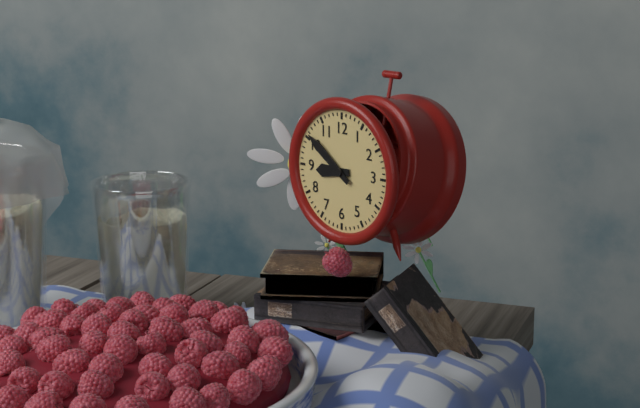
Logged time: 8:51
